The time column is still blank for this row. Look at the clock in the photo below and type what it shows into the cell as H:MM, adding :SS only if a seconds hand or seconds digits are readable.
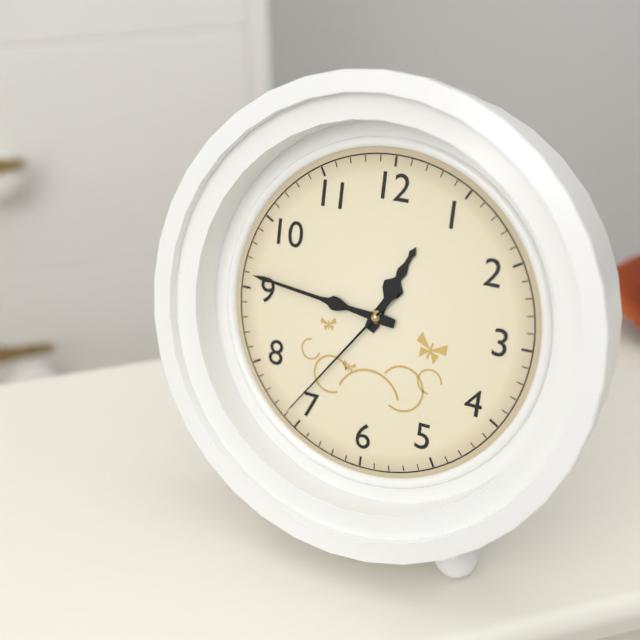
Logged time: 12:46:36
